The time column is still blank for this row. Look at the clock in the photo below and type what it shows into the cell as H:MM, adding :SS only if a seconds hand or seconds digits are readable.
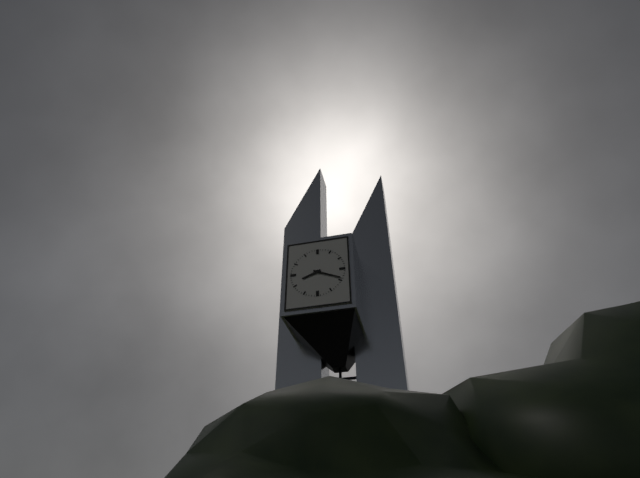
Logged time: 8:19
